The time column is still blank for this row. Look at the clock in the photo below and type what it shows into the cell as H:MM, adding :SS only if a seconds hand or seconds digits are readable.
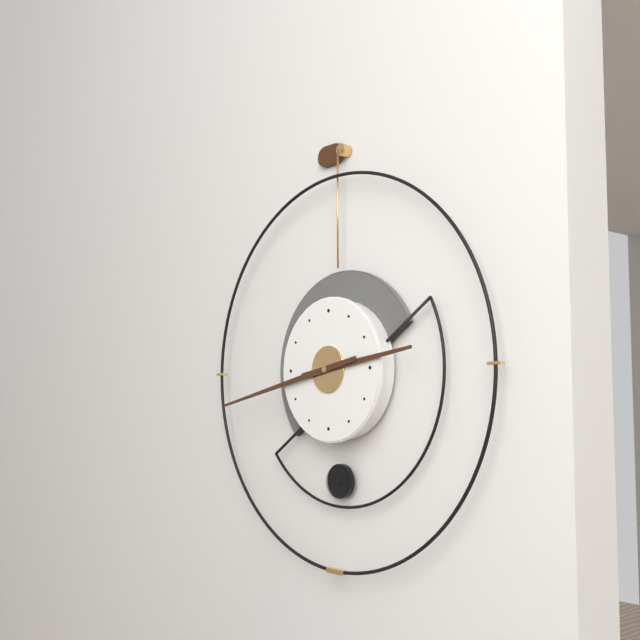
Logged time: 2:43
